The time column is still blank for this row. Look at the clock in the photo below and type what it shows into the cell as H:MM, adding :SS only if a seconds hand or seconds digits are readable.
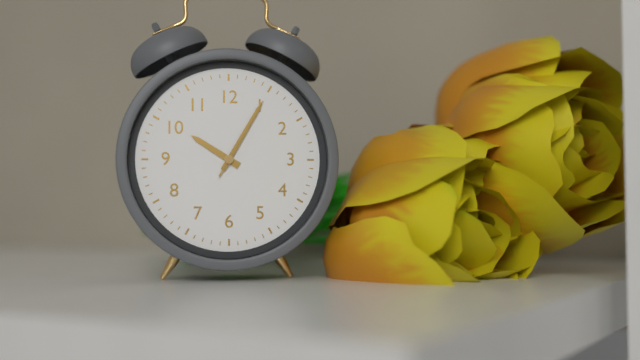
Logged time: 10:05:05
